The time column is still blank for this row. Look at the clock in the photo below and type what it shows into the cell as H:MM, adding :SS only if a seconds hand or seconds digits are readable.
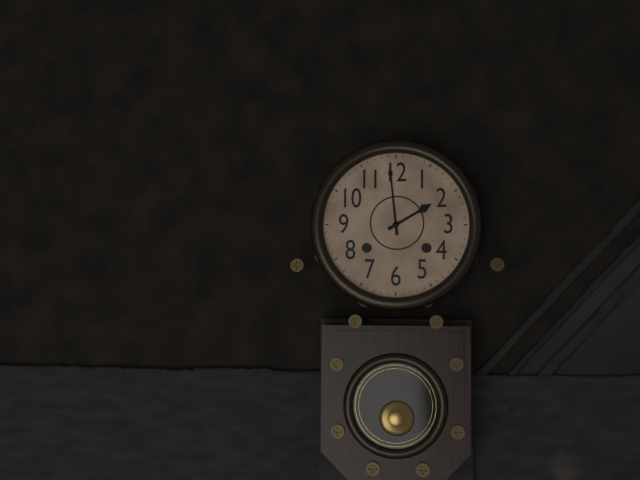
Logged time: 1:59
